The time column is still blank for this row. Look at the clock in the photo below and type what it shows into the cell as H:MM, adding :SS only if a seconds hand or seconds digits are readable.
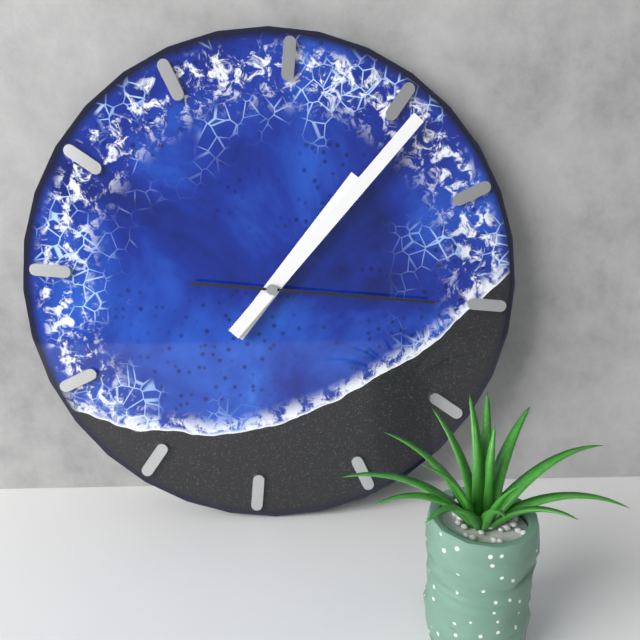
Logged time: 1:06:15
